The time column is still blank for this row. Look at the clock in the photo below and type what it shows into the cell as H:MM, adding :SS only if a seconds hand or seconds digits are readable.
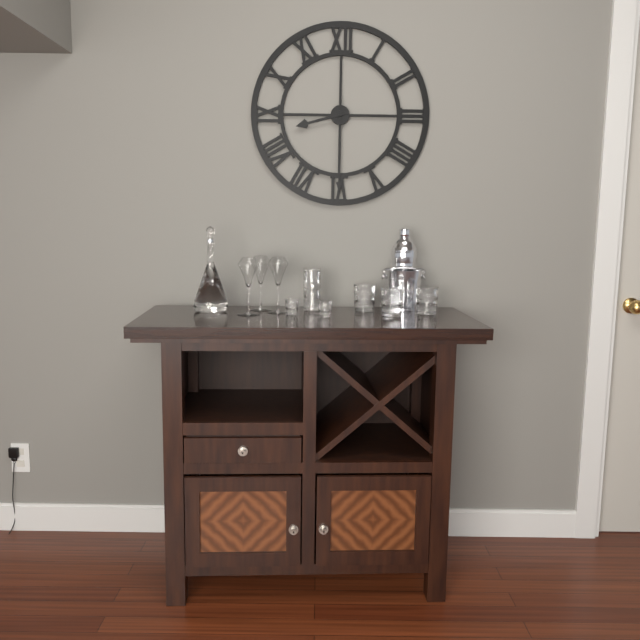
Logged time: 8:30
